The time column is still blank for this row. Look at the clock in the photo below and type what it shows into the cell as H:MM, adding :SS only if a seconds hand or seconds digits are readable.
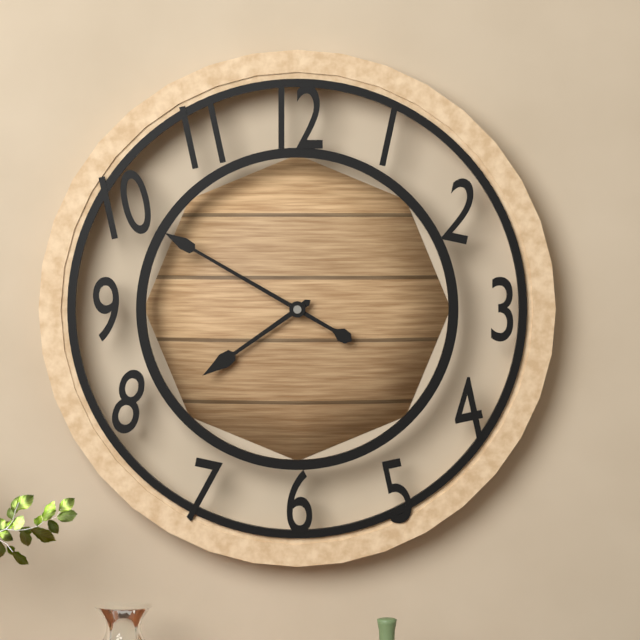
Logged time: 7:50
